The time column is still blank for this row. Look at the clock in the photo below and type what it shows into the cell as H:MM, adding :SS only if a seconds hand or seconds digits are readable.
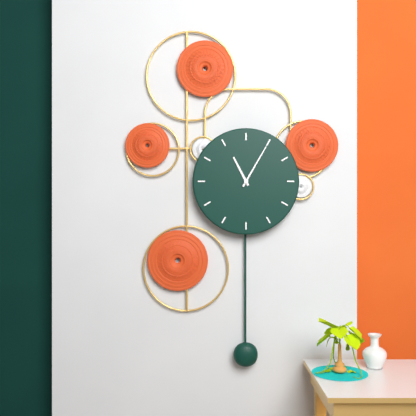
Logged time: 11:05
